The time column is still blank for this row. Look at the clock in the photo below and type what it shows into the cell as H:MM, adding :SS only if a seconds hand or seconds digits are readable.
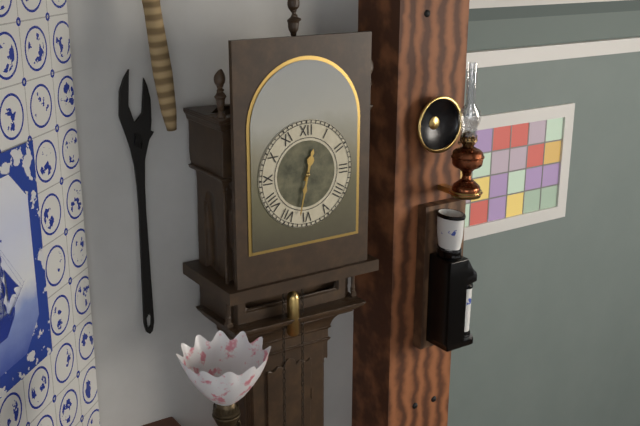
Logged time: 12:32
